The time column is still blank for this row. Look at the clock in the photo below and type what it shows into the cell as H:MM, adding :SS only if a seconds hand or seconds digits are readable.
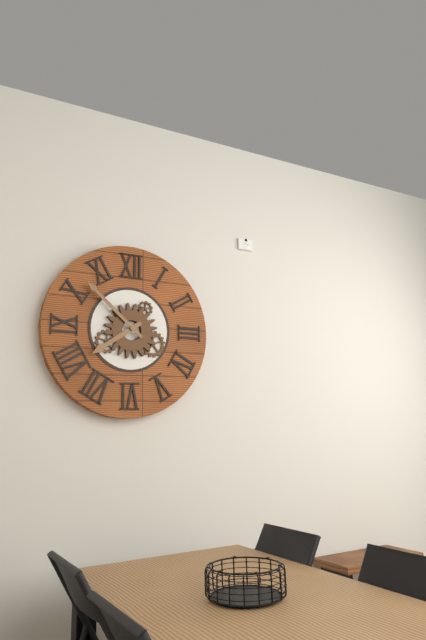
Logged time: 7:52
